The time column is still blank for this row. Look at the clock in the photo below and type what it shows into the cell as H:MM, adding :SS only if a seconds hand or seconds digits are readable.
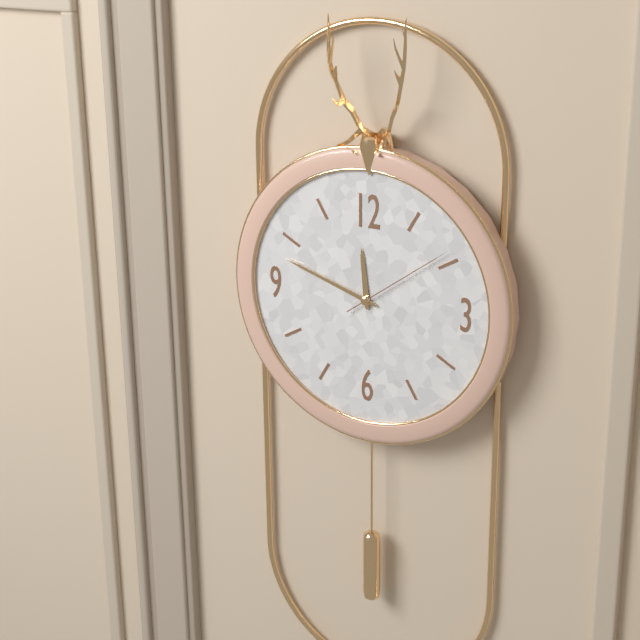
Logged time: 11:48:09
